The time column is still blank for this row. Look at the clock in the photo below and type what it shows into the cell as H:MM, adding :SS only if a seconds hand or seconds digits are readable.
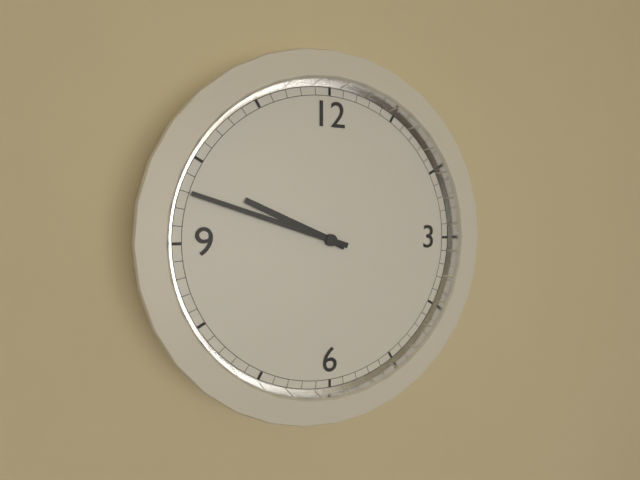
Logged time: 9:48
